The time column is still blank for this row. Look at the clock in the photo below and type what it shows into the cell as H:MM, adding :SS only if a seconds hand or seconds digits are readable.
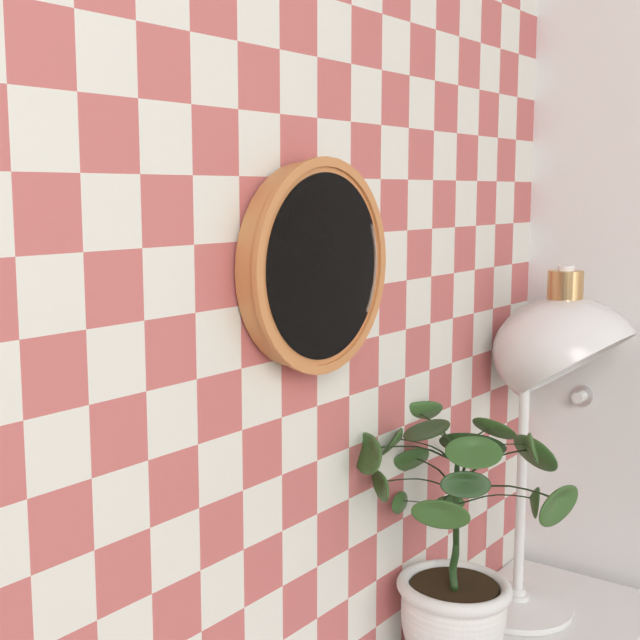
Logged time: 11:34
